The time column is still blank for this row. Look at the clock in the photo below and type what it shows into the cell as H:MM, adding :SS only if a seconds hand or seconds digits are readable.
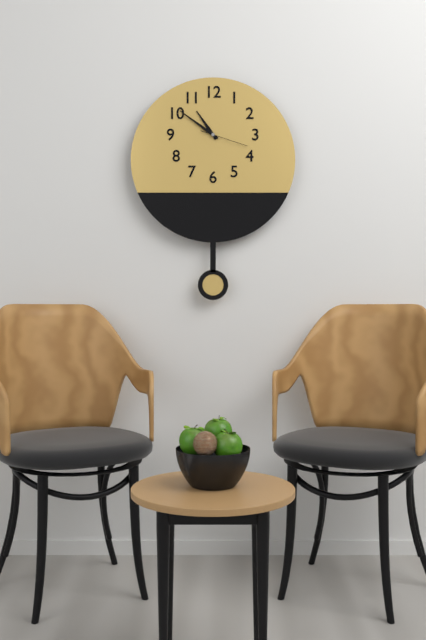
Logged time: 10:51
